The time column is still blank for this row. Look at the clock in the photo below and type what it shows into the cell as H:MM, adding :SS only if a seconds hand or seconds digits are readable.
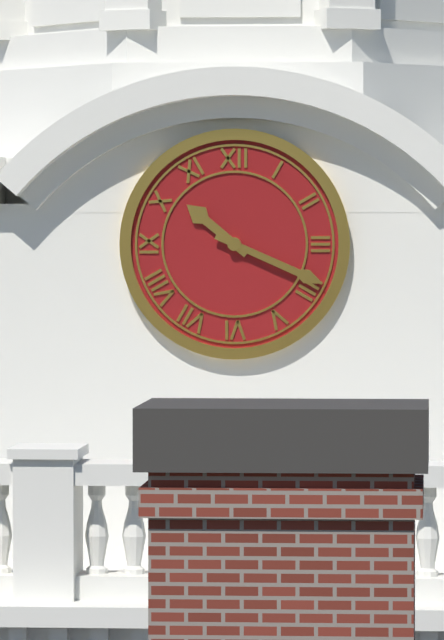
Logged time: 10:19
